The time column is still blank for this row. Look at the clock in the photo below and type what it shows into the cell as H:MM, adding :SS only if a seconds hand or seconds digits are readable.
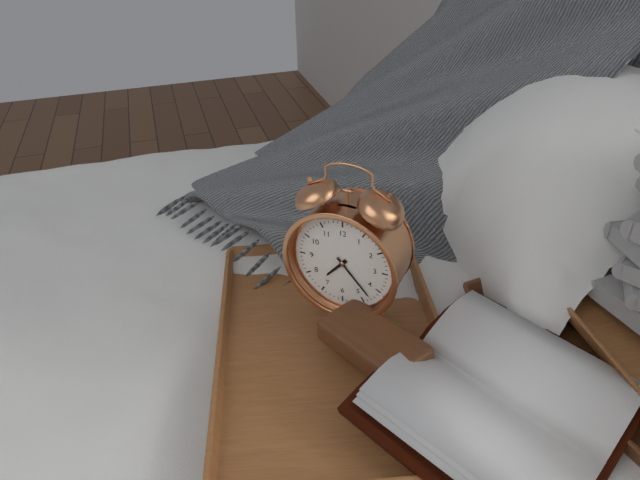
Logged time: 7:23
